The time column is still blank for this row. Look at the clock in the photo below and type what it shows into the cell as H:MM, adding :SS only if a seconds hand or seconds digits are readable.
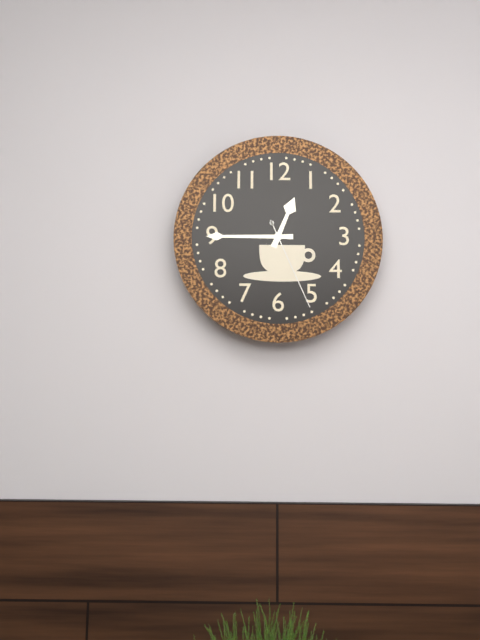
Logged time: 12:45:26
